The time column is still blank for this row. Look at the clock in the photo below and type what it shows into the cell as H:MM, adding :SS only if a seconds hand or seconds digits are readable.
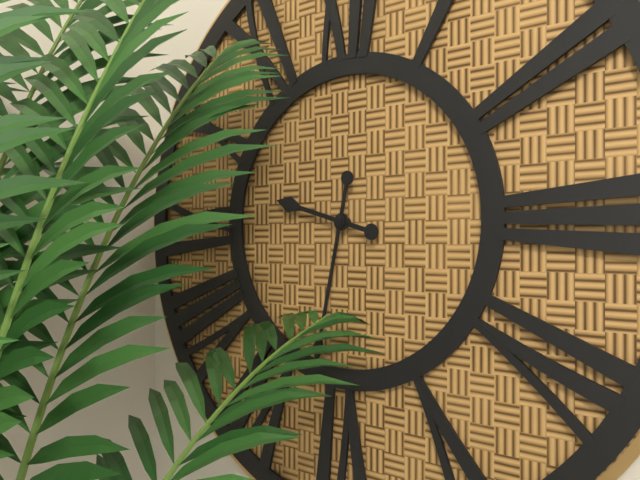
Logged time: 9:32
